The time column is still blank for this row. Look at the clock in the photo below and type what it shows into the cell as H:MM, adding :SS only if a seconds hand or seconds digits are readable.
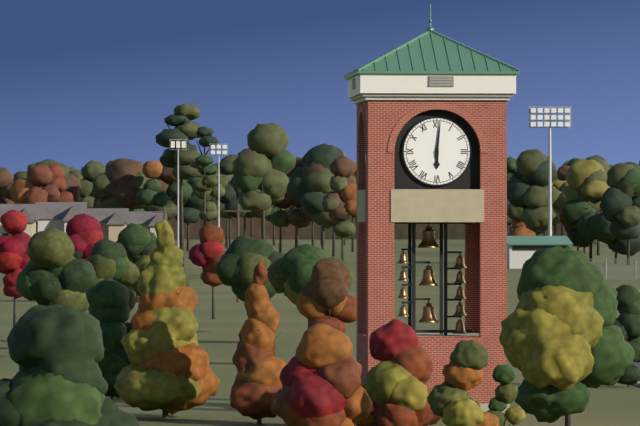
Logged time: 6:01
